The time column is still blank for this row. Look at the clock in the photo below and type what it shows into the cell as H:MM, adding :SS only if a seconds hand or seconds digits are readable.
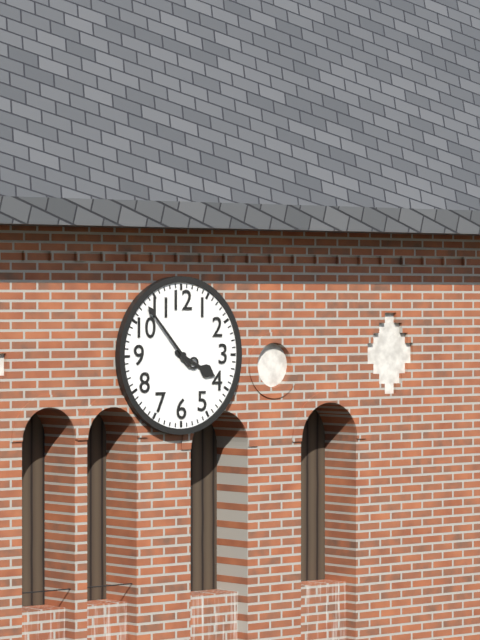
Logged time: 3:53
